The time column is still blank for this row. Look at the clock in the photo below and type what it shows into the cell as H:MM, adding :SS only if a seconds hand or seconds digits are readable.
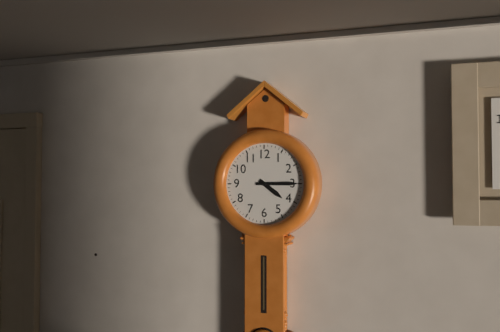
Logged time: 4:15
